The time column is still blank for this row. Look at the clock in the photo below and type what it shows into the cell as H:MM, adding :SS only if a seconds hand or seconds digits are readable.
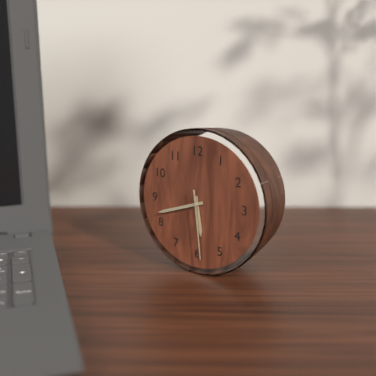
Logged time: 5:42:29
